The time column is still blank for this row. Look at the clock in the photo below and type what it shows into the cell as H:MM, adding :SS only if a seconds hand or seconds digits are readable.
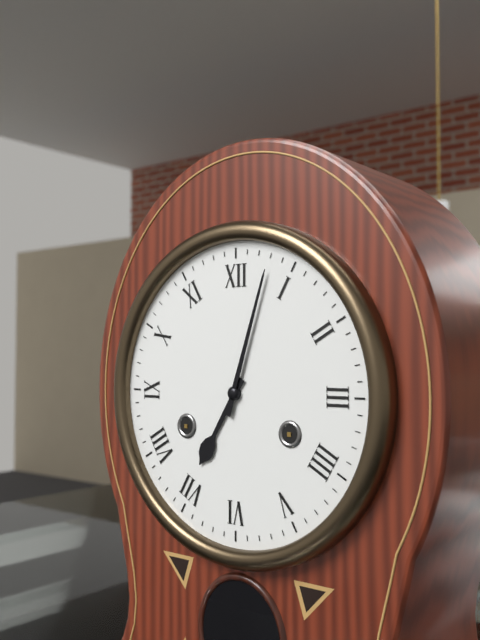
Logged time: 7:03
